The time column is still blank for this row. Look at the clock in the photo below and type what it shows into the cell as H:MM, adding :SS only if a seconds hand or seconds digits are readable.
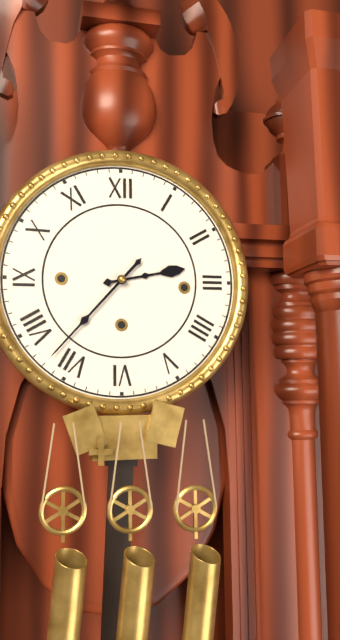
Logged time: 2:37
